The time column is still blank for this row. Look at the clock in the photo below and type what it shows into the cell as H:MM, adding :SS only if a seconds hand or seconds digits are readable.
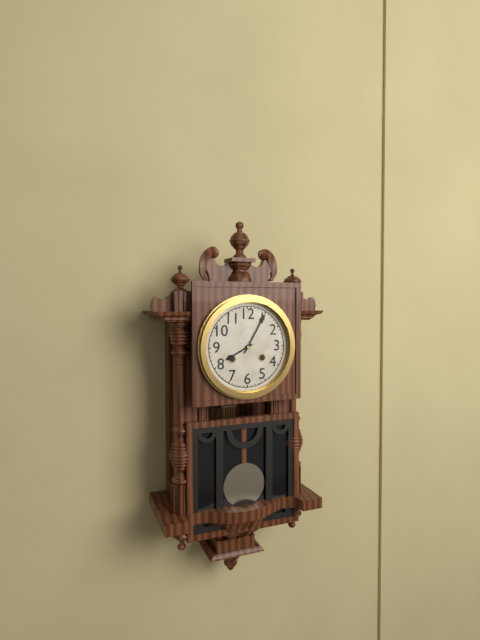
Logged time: 8:05
